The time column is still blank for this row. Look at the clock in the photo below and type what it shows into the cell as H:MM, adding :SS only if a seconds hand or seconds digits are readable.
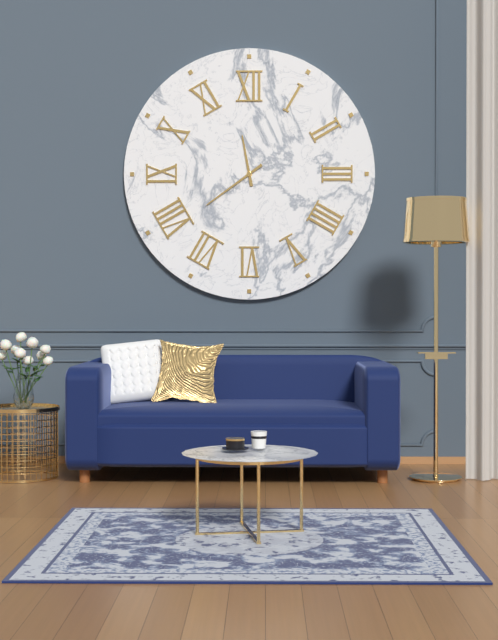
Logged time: 11:39
